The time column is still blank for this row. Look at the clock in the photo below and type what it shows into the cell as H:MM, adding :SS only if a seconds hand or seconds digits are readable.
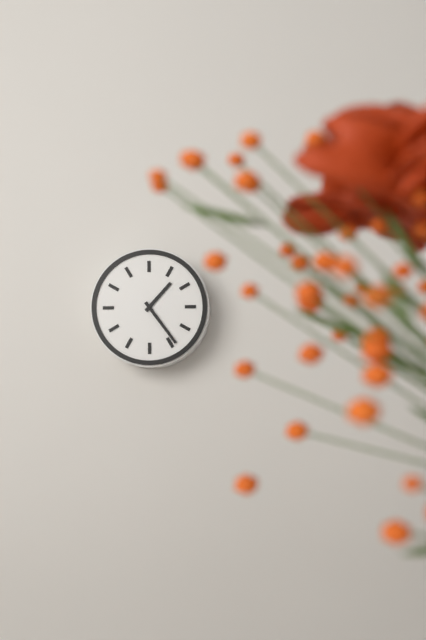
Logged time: 1:24
